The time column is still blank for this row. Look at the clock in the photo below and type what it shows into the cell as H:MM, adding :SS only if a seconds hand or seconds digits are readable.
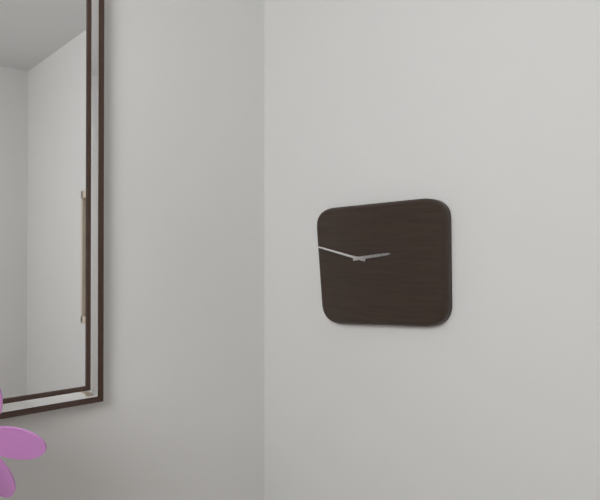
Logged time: 2:47
